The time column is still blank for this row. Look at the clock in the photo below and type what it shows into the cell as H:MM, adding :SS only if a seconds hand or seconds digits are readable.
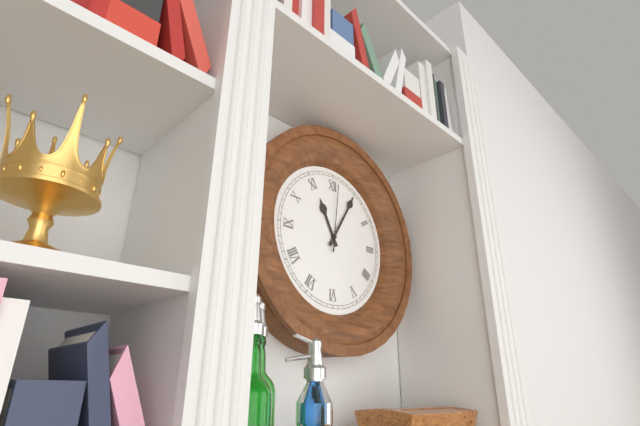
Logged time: 11:05:01
